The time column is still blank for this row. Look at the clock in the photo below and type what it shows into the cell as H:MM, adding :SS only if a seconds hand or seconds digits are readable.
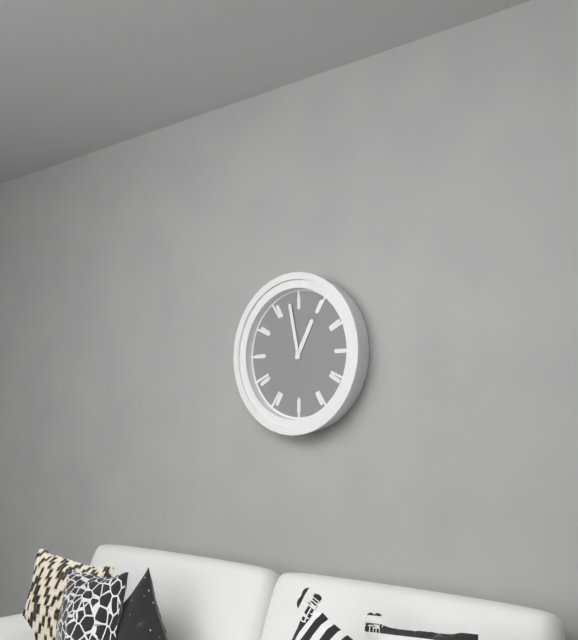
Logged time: 12:58
